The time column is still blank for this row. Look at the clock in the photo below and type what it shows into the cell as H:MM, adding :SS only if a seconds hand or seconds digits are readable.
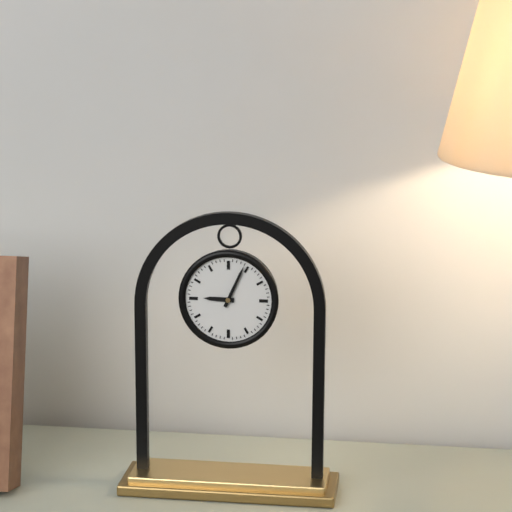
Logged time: 9:04
